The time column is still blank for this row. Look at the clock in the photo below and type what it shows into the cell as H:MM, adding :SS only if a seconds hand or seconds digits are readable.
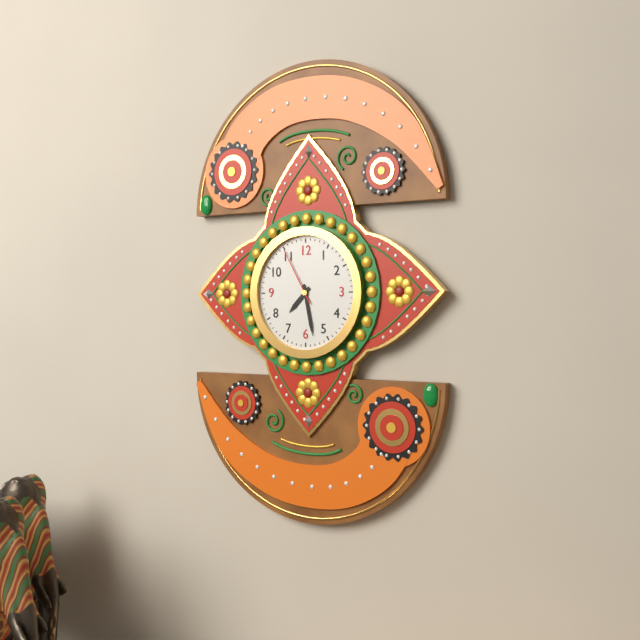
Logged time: 7:28:55
